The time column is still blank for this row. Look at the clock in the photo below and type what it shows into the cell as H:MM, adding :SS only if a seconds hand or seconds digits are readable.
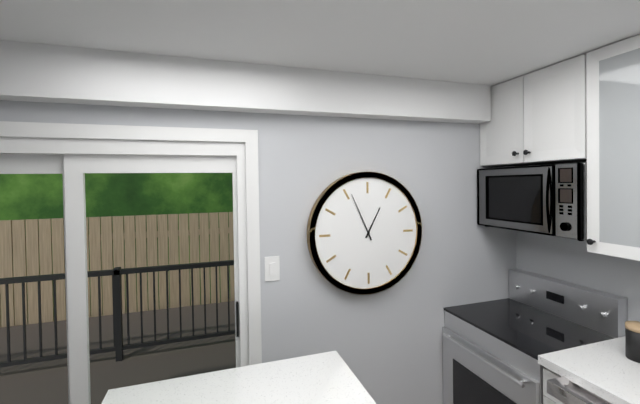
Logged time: 12:56
